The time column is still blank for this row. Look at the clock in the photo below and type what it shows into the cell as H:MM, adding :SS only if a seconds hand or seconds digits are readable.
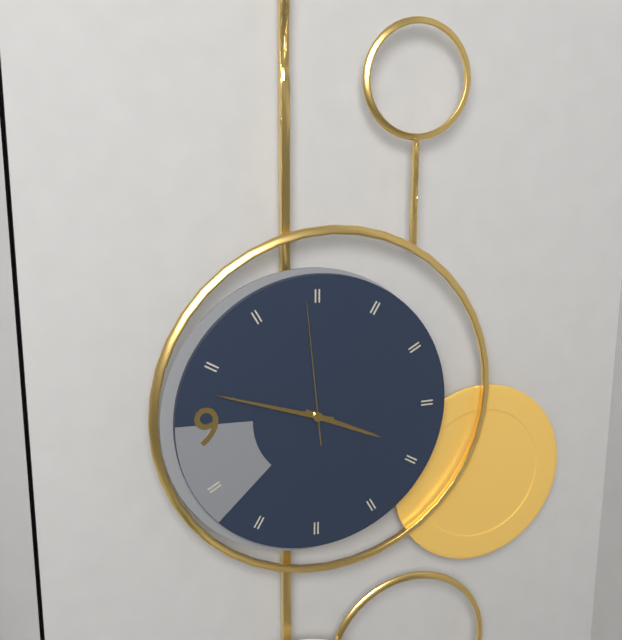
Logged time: 3:48:59
